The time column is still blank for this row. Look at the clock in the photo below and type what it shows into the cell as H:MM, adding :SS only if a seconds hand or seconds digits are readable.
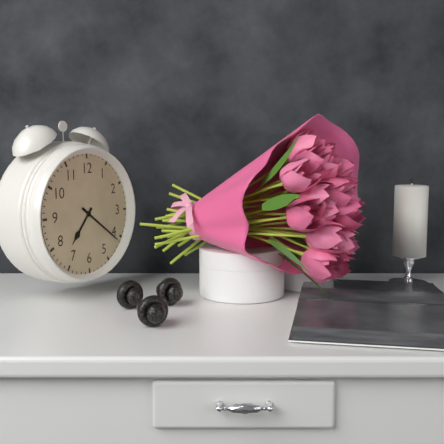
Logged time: 7:21
